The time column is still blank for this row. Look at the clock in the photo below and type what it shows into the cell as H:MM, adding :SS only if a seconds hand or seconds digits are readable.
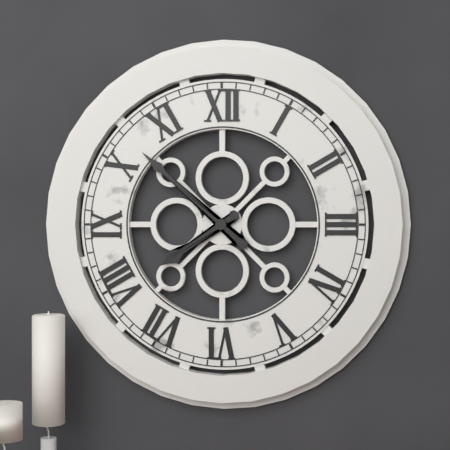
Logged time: 7:52
